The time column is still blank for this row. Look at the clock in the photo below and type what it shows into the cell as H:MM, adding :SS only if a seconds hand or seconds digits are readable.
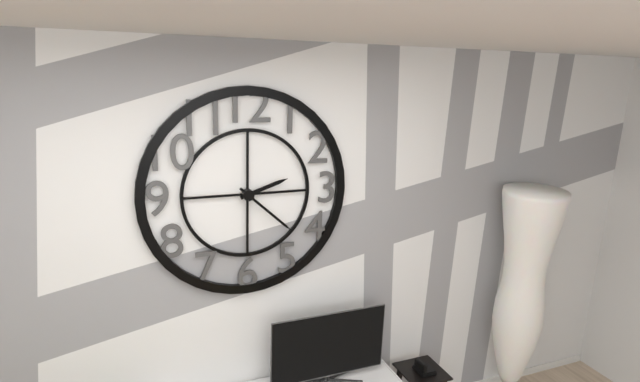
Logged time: 2:22
